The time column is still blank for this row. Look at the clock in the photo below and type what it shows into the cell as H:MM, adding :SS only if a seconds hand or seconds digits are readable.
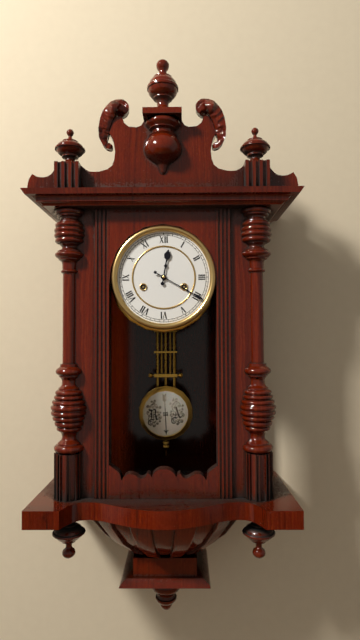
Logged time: 12:20
